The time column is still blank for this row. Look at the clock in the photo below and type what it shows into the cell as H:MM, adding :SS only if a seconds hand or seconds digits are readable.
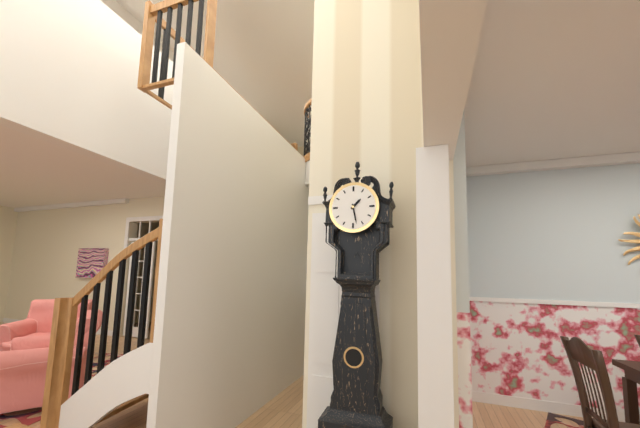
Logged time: 1:28
